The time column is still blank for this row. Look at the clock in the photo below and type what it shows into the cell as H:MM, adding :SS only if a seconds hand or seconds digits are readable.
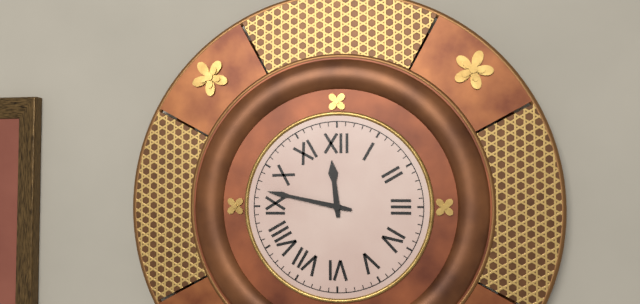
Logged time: 11:47
